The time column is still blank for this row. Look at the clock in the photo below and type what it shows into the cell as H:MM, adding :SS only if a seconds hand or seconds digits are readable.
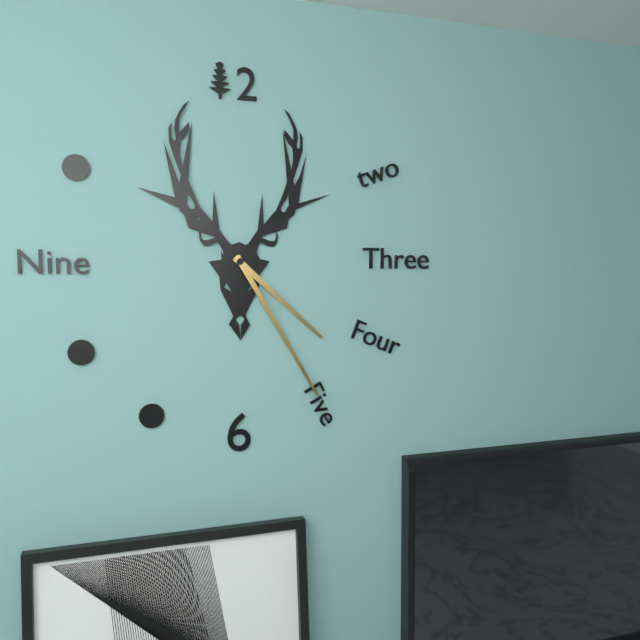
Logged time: 4:25
